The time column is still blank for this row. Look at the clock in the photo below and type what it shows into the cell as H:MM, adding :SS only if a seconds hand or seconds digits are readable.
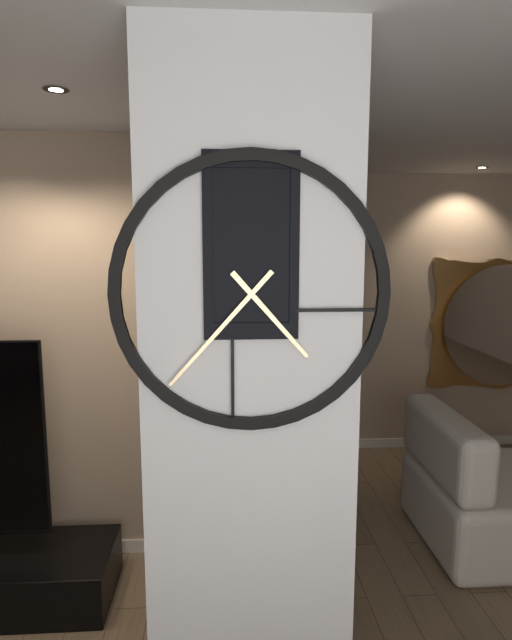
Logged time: 4:37
